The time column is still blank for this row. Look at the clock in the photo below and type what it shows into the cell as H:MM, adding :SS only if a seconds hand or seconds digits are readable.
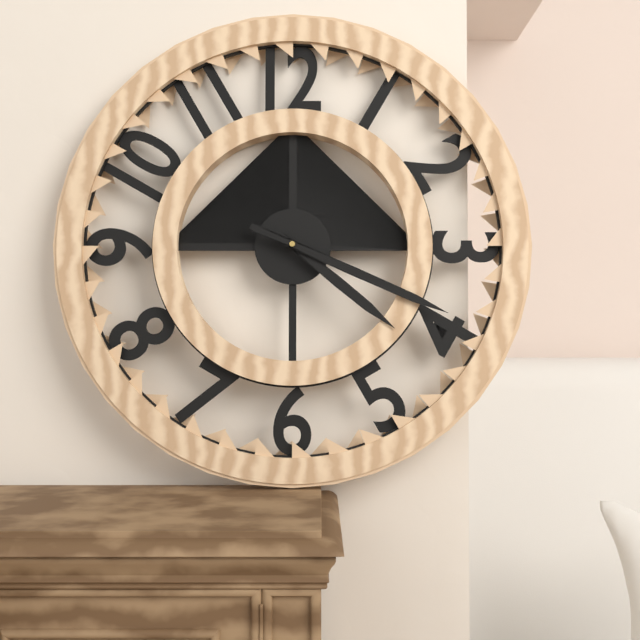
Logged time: 4:19
